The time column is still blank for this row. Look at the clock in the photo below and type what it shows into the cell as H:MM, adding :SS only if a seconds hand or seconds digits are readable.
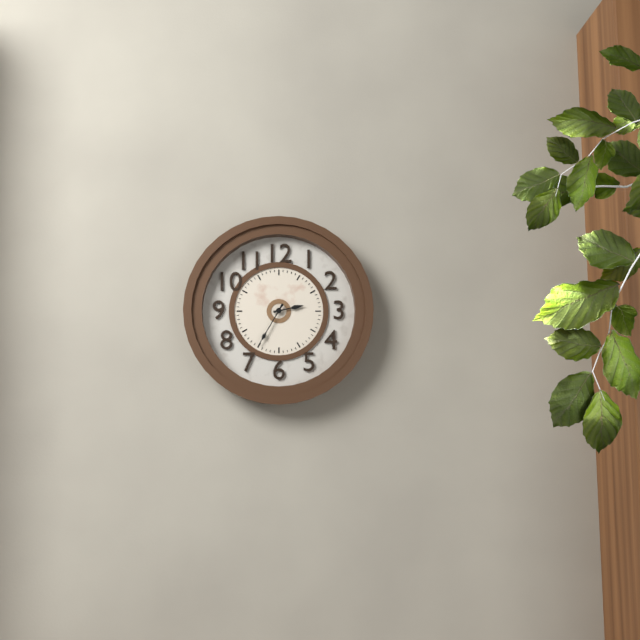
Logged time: 2:35
